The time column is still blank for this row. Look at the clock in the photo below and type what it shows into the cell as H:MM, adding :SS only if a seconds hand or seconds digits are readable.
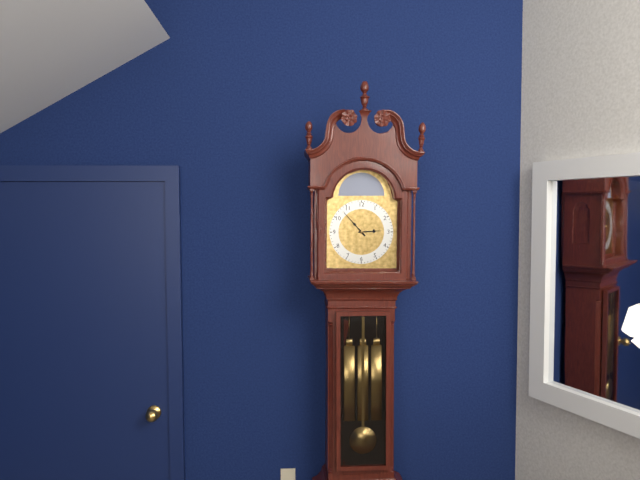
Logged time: 2:53
